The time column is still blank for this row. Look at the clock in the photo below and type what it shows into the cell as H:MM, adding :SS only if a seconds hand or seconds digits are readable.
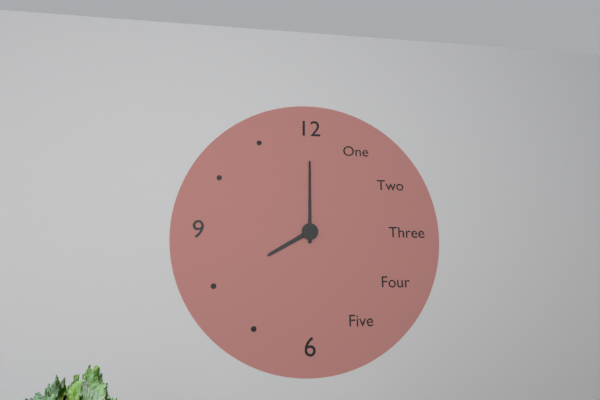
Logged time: 8:00
